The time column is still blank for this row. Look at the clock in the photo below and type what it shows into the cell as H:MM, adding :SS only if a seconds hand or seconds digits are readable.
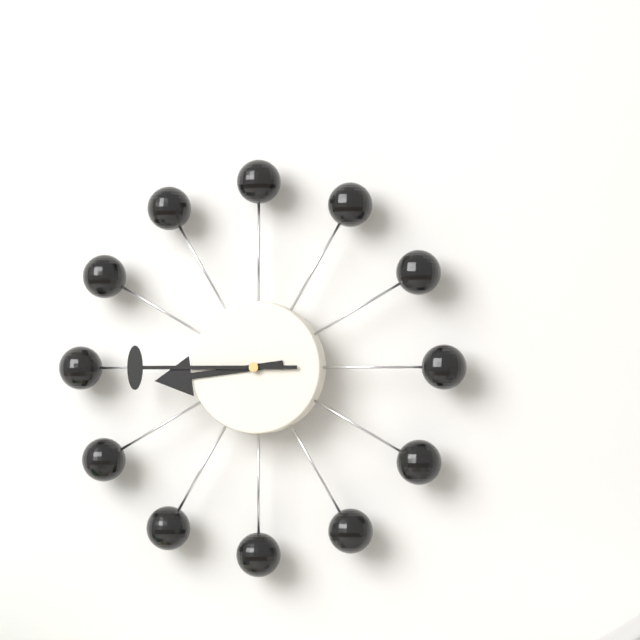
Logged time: 8:45
